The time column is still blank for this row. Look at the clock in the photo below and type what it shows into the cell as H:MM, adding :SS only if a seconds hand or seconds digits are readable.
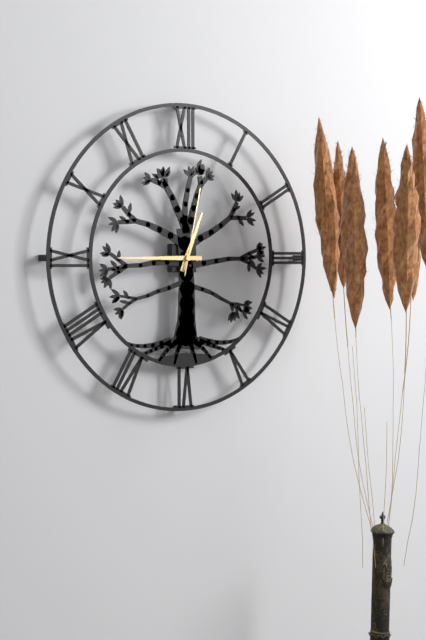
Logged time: 12:45:02
